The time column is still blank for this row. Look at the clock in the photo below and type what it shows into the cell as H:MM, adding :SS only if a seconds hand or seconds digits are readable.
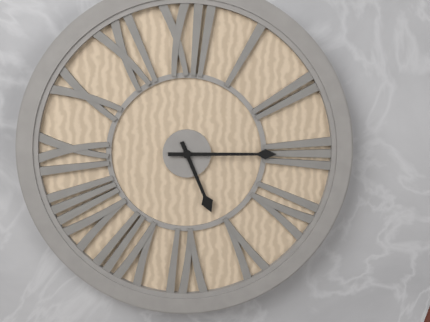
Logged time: 5:15
